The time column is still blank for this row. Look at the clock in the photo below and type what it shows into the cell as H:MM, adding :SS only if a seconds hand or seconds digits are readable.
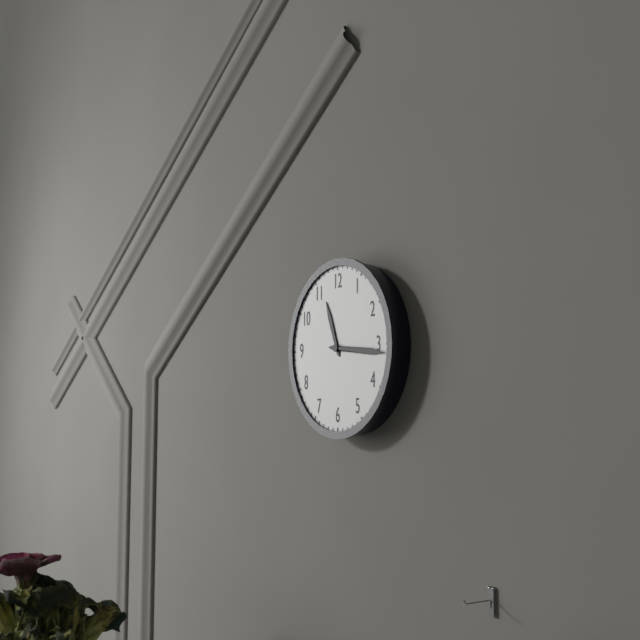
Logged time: 11:16
